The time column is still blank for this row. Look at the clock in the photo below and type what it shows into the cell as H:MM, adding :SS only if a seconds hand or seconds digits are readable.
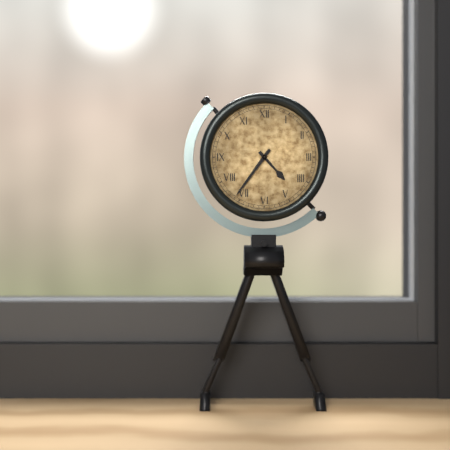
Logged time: 4:36
